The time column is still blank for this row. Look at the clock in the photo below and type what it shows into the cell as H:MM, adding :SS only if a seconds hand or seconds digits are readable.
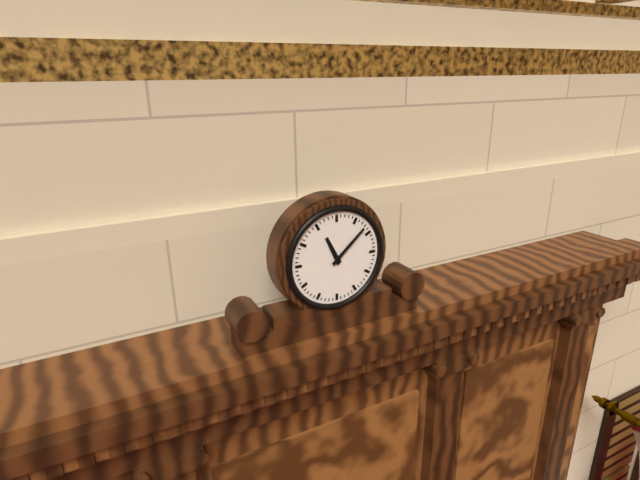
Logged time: 11:08
